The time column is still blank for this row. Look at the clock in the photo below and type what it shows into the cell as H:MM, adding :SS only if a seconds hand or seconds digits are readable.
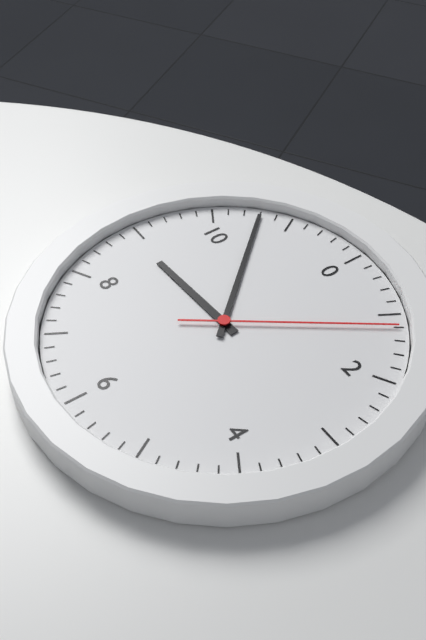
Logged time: 8:53:06
